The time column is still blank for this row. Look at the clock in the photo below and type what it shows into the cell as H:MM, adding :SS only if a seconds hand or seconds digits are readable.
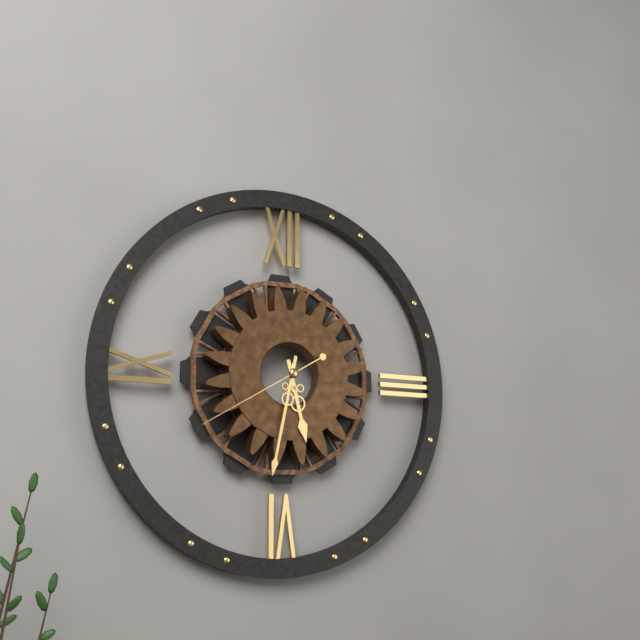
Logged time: 5:32:40
